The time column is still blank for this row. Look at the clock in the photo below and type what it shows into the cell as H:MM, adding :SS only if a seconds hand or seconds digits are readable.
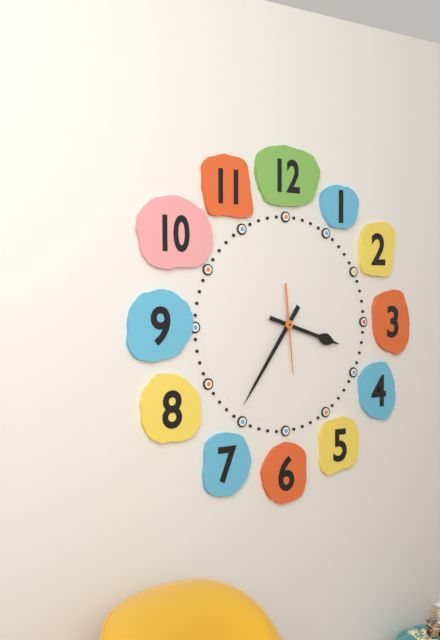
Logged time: 3:36:29
